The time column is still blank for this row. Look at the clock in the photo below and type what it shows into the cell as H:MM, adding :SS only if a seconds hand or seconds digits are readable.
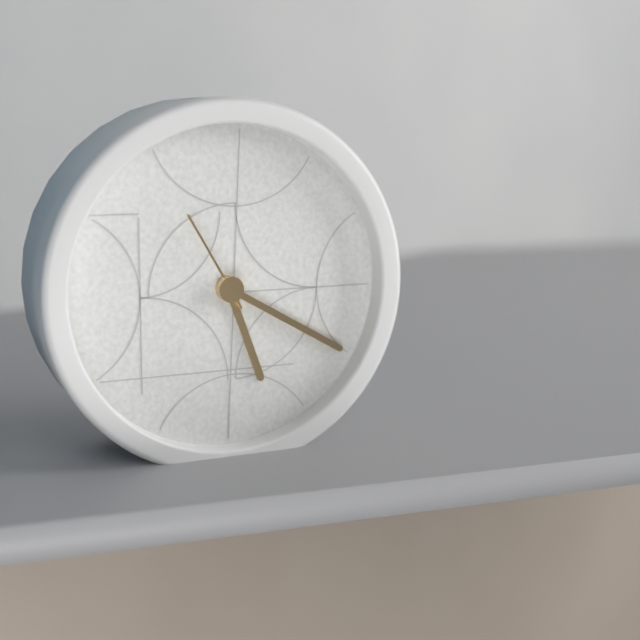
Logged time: 5:20:55
